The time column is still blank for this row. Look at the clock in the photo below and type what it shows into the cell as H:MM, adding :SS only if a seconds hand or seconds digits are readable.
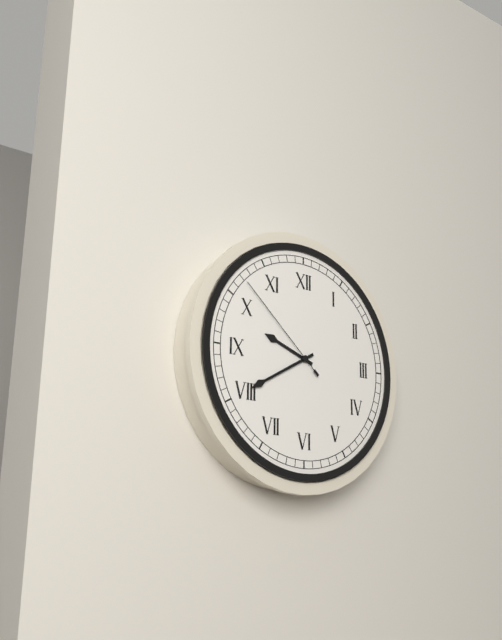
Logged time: 9:40:52
